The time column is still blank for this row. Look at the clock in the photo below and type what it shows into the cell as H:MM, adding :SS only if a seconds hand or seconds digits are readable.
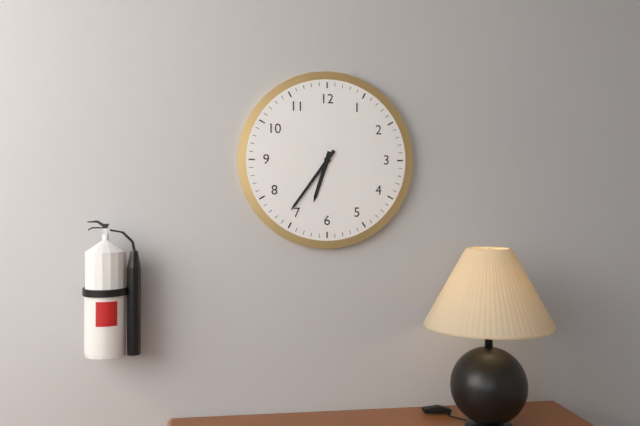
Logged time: 6:36
